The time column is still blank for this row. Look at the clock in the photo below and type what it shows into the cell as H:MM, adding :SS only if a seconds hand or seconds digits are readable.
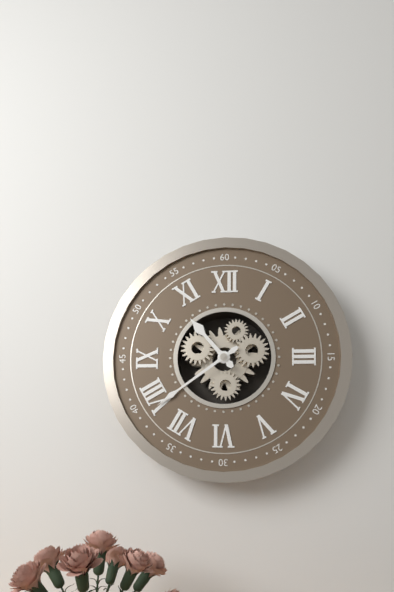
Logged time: 10:39
